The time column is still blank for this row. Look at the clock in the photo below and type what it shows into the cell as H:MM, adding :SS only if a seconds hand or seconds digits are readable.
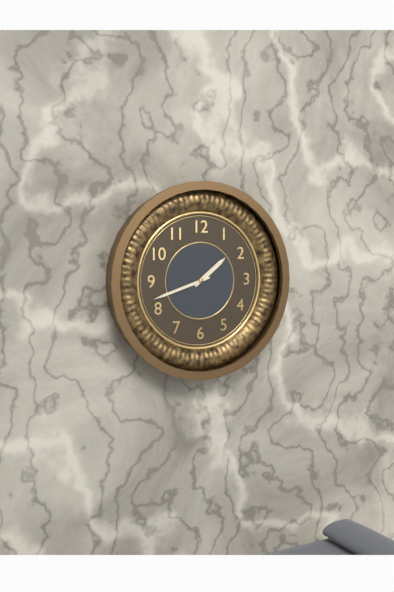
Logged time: 1:42
